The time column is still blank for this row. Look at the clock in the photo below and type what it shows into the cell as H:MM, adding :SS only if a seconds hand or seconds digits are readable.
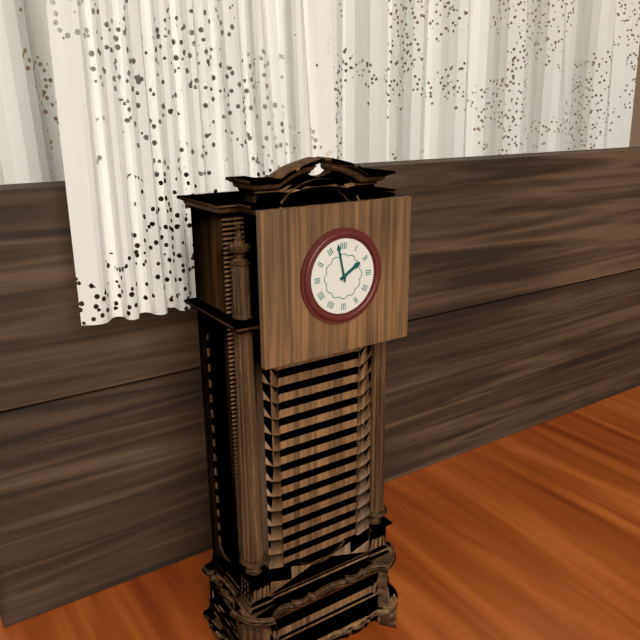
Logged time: 1:58
